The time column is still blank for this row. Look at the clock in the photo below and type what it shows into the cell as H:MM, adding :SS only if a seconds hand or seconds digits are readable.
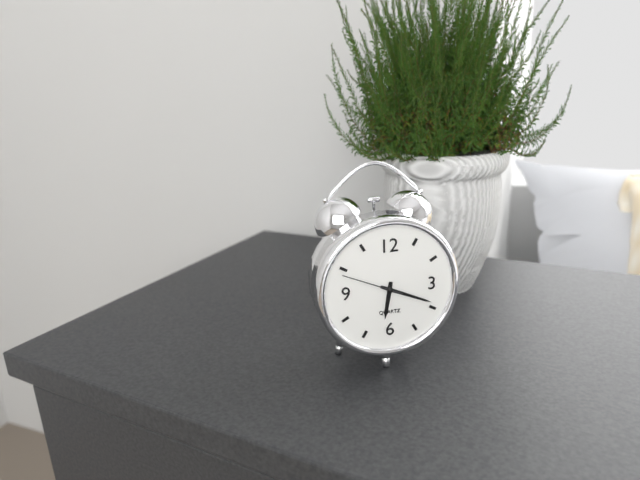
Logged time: 6:19:49
